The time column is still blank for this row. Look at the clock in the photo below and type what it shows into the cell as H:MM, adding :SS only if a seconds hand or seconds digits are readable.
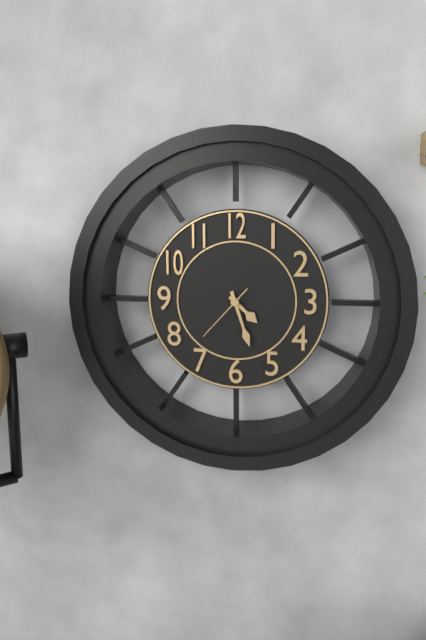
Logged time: 4:27:37
